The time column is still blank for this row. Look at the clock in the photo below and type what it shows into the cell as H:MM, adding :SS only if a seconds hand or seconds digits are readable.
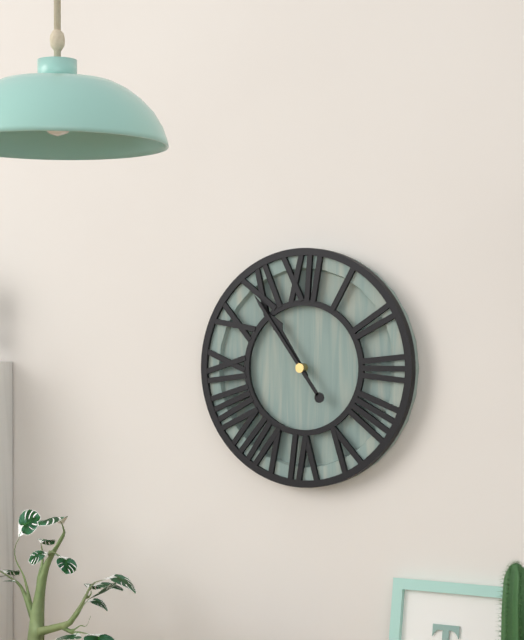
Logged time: 10:54
